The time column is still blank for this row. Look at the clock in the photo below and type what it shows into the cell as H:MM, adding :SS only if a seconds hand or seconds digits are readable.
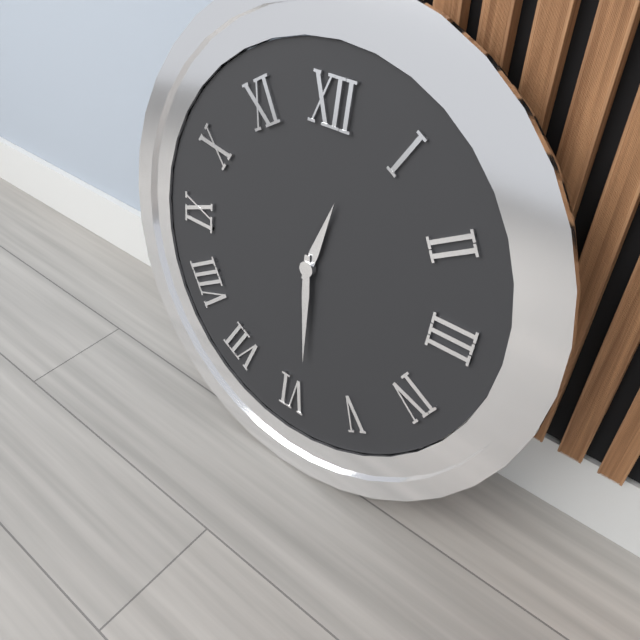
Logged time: 12:29
